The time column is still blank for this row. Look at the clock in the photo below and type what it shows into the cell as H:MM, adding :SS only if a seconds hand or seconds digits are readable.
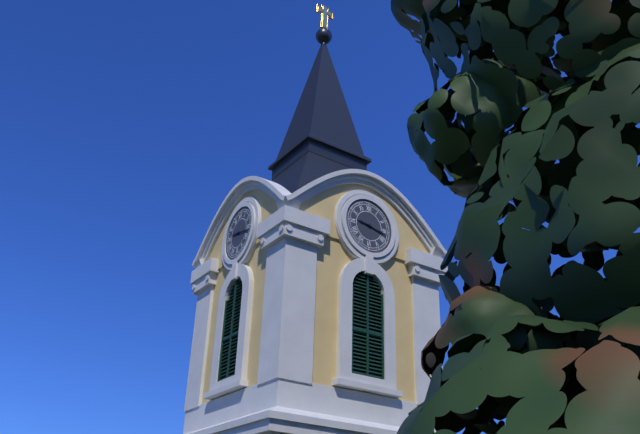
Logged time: 9:17
